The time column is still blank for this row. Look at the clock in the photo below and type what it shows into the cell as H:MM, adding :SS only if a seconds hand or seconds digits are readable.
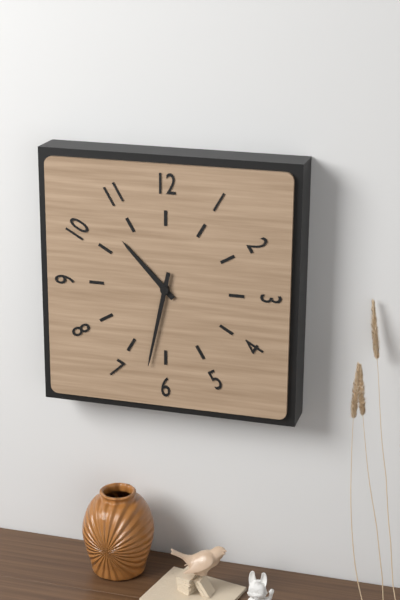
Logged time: 10:32
